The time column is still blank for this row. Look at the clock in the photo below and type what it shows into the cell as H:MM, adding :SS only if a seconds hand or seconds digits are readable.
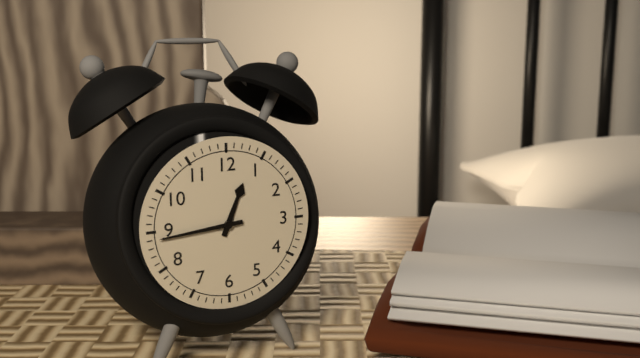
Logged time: 12:44
